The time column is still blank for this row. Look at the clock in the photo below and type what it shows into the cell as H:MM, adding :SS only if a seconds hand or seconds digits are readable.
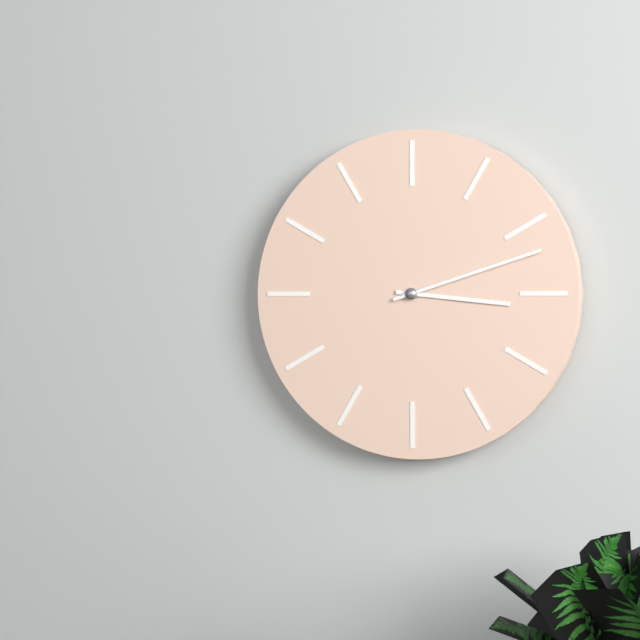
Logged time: 3:12
